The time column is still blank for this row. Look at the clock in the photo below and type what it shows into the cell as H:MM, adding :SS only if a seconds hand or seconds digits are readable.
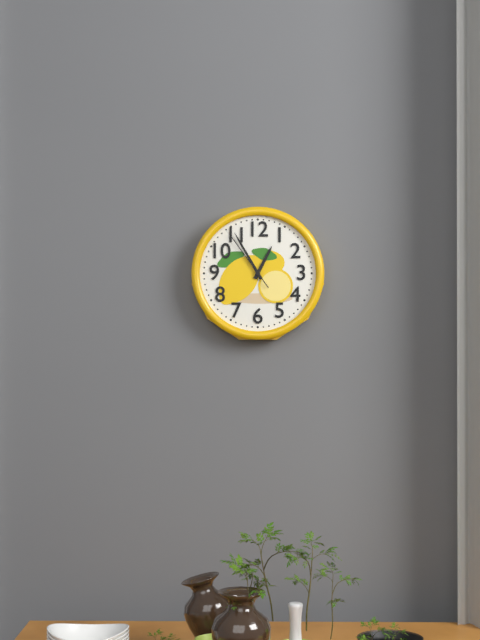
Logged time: 12:55:54
